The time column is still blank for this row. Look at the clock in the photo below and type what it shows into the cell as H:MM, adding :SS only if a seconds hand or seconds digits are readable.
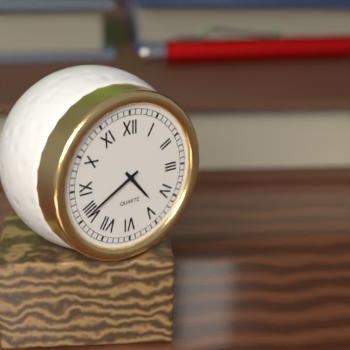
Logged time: 4:40
